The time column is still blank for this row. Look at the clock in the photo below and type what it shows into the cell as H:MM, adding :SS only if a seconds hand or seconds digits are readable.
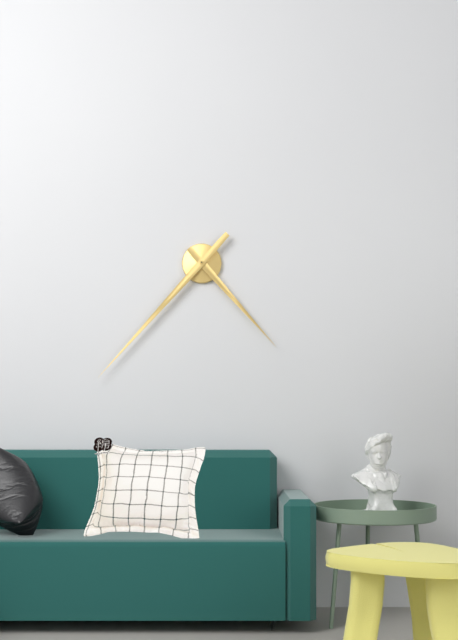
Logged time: 4:37
